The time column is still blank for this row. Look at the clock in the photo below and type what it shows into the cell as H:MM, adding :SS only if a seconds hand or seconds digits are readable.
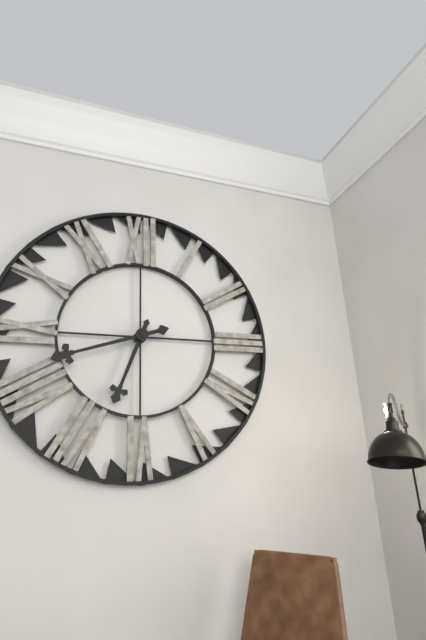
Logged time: 6:42
